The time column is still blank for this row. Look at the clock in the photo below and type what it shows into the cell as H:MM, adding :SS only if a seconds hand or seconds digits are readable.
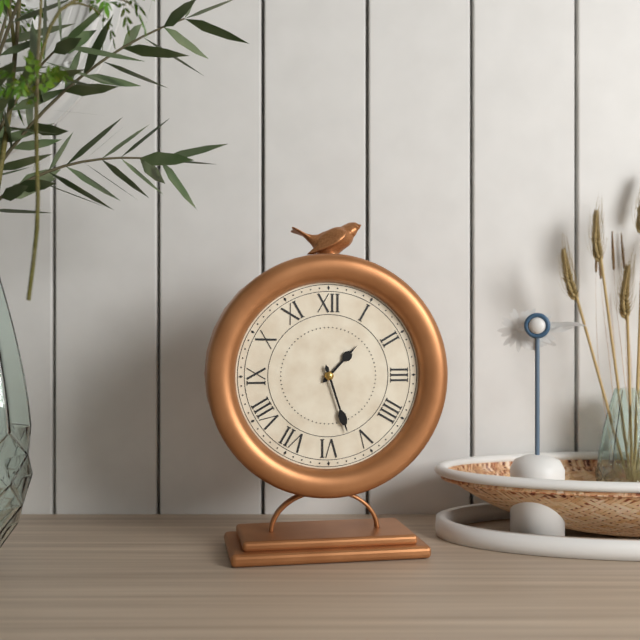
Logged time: 1:27
